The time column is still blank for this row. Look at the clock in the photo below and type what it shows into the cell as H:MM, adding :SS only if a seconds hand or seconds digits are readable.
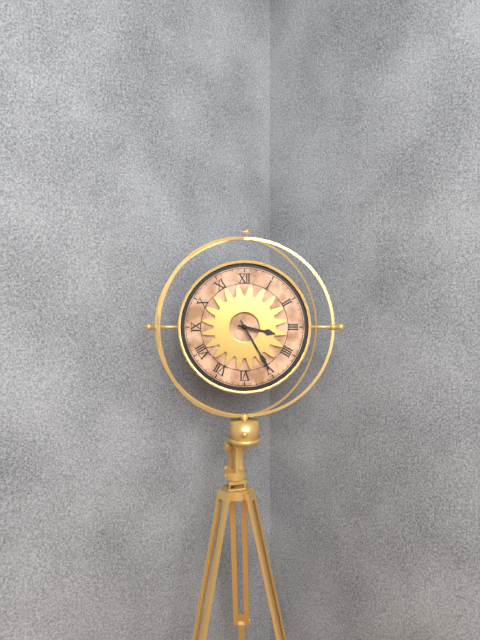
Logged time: 3:25
